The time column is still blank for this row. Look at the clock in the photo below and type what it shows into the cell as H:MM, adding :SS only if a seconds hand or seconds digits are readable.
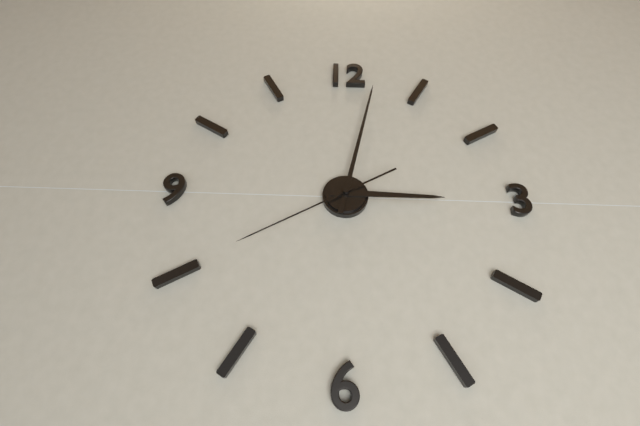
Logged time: 3:02:40
